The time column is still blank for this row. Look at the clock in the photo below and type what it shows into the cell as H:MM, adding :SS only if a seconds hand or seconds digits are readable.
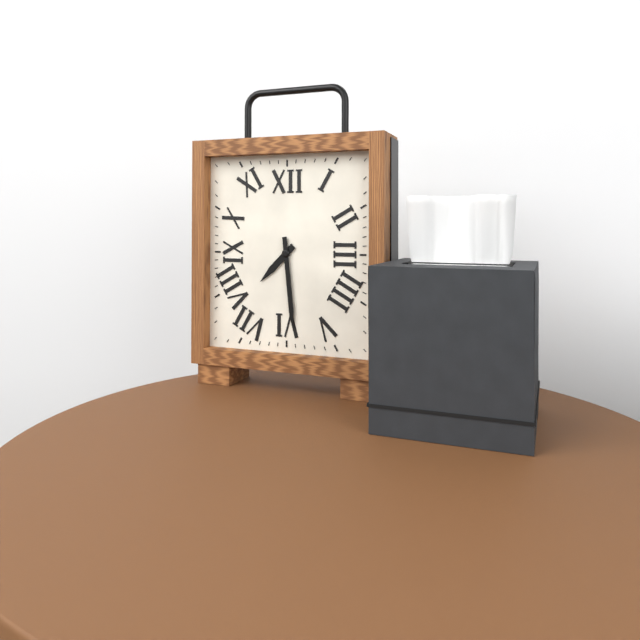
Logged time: 7:29
